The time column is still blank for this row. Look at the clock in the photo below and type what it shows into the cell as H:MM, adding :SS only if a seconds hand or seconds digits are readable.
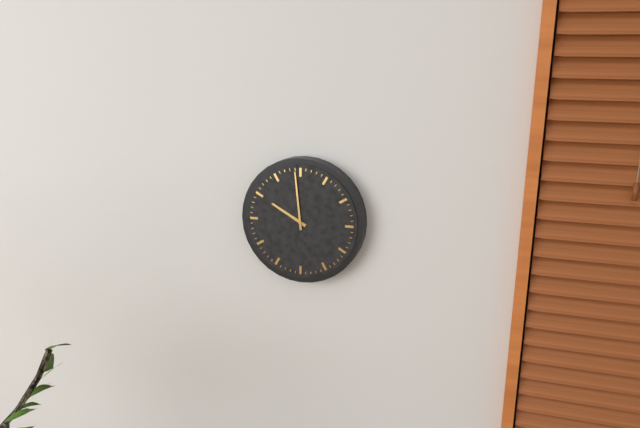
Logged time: 9:59
